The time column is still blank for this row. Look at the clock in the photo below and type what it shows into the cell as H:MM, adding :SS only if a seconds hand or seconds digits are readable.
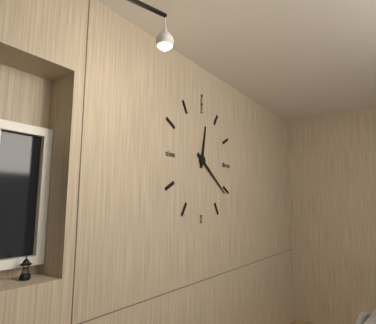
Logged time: 12:21
